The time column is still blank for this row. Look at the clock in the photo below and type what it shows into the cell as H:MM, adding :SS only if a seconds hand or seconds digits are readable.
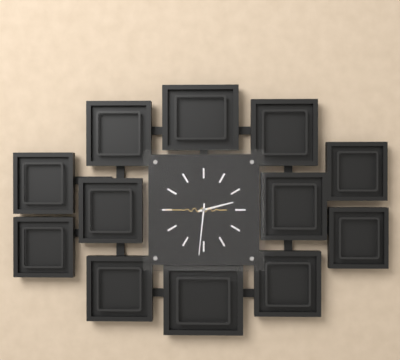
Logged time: 2:31
